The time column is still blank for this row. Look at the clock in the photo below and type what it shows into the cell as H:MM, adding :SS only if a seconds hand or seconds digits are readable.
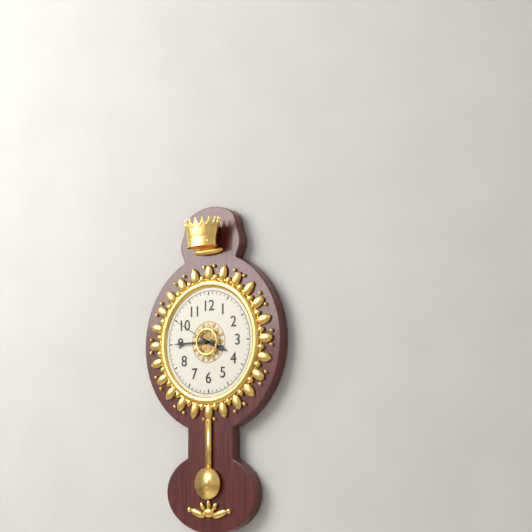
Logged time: 3:45
